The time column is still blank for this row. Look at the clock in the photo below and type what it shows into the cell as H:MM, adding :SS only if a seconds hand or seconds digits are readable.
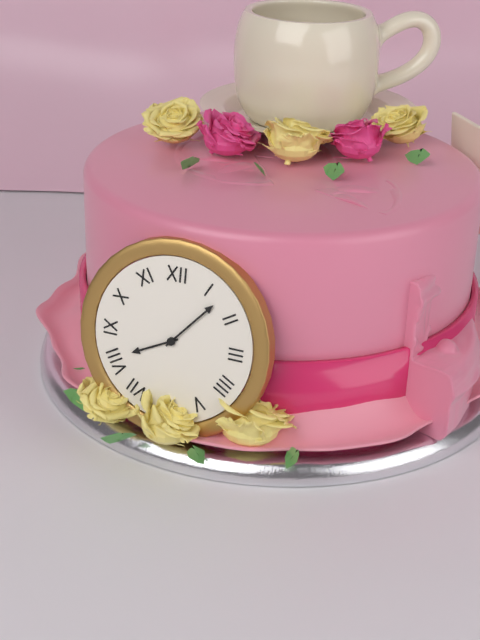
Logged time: 8:07
